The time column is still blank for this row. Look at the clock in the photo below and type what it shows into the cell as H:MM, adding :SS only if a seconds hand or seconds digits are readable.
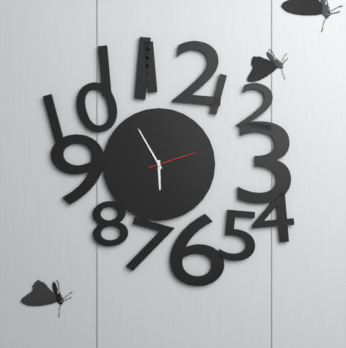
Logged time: 5:55
